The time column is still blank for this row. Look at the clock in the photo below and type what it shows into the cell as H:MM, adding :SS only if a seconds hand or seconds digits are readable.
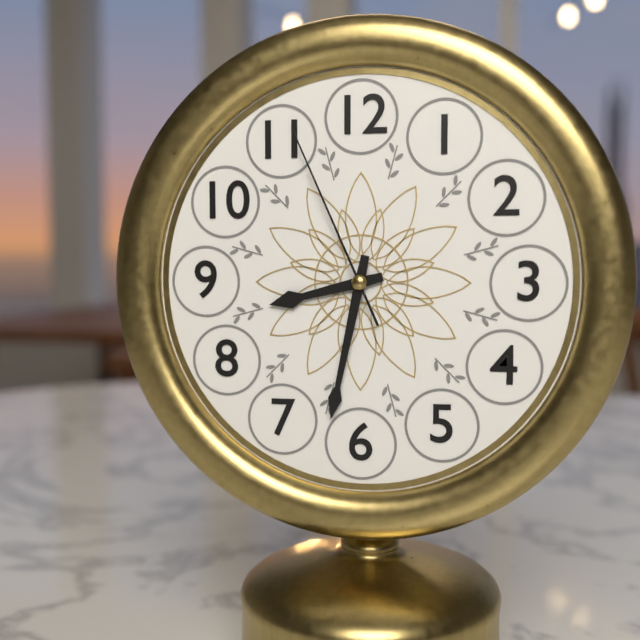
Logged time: 8:32:56
